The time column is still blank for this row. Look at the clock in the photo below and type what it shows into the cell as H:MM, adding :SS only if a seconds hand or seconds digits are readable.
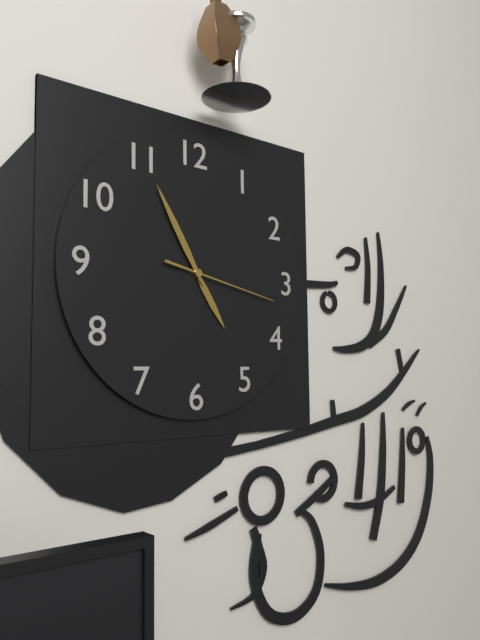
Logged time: 4:55:17
